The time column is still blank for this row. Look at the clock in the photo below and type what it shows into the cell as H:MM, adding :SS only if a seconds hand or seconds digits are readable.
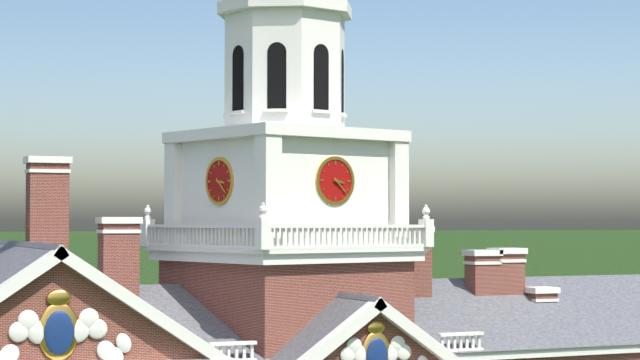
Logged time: 3:22
